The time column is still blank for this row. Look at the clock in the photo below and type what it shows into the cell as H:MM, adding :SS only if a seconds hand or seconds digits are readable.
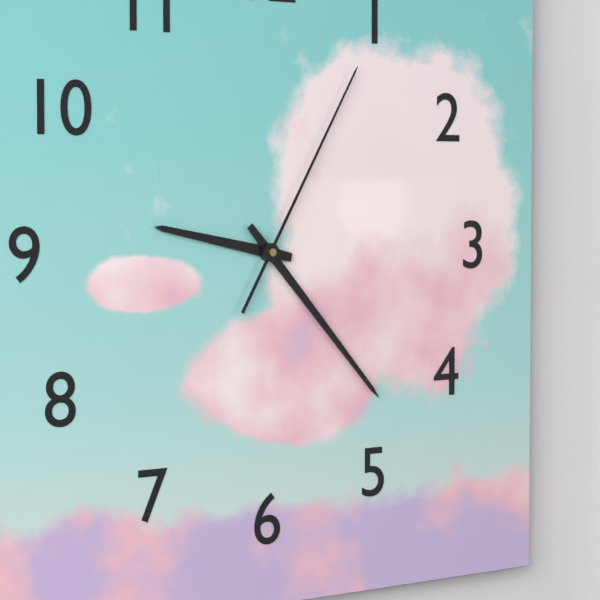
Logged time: 9:23:05
